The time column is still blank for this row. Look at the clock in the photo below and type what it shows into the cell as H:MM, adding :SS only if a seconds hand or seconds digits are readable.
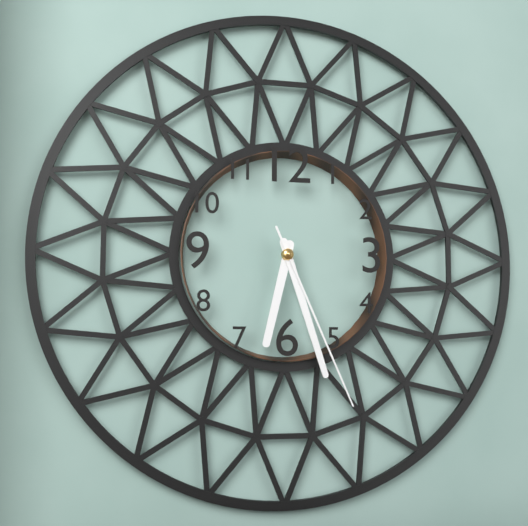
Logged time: 6:27:26
